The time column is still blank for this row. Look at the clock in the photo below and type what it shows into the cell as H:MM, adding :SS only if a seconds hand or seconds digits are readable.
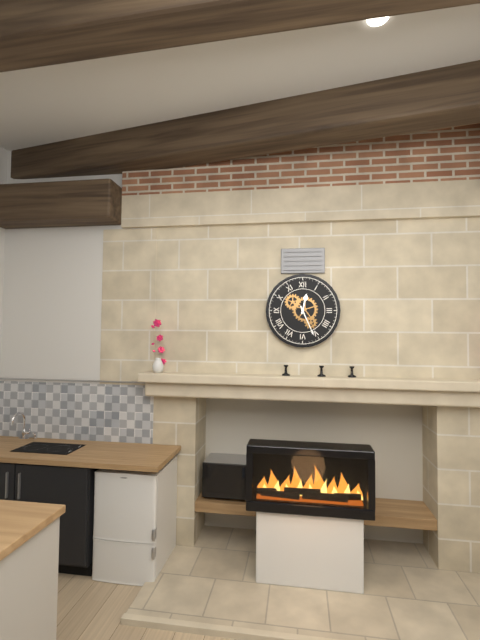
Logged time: 12:26
